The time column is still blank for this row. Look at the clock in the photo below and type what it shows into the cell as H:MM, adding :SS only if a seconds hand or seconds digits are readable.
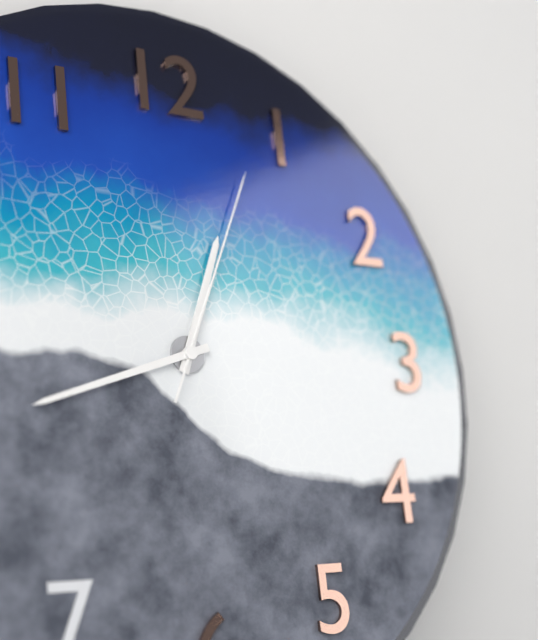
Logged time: 12:42:04
